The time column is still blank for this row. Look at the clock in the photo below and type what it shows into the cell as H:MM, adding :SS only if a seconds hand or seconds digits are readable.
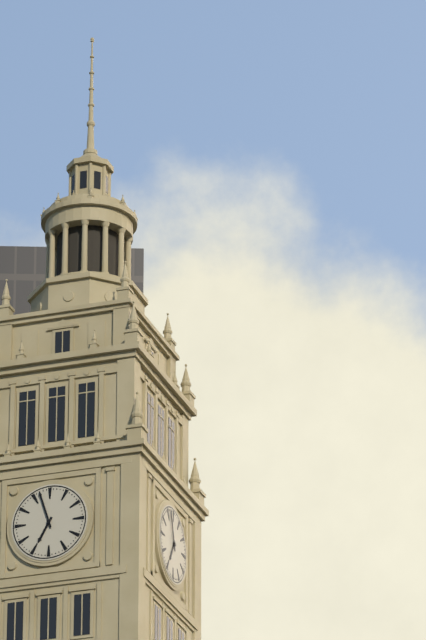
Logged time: 6:57
